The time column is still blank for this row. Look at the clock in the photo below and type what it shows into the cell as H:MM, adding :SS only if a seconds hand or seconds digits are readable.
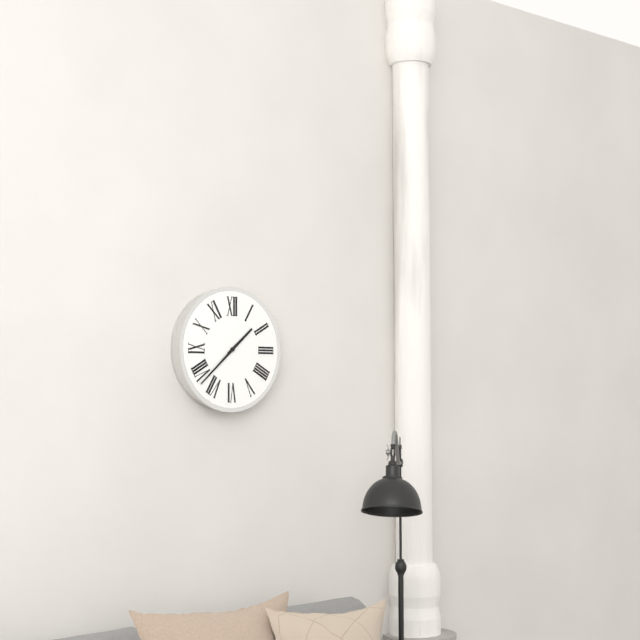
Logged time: 1:38
